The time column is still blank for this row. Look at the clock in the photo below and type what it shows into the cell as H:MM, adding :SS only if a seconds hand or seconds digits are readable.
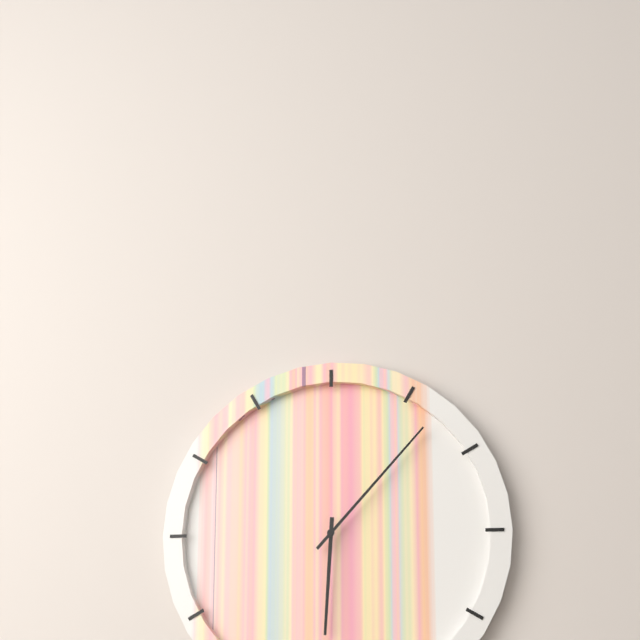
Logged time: 6:07
